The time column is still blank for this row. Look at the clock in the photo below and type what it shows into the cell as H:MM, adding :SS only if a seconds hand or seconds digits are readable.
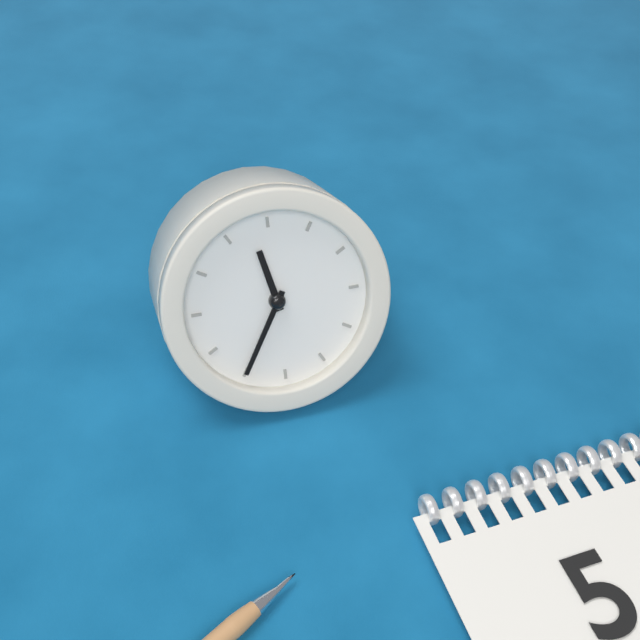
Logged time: 11:35
